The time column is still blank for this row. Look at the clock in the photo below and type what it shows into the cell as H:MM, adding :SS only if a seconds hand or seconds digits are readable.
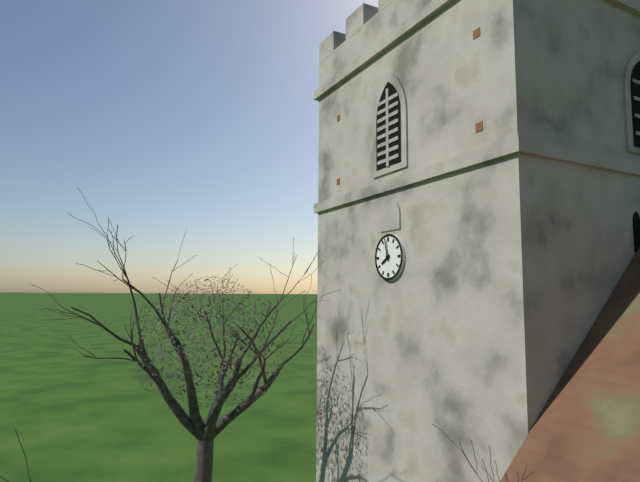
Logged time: 7:58
